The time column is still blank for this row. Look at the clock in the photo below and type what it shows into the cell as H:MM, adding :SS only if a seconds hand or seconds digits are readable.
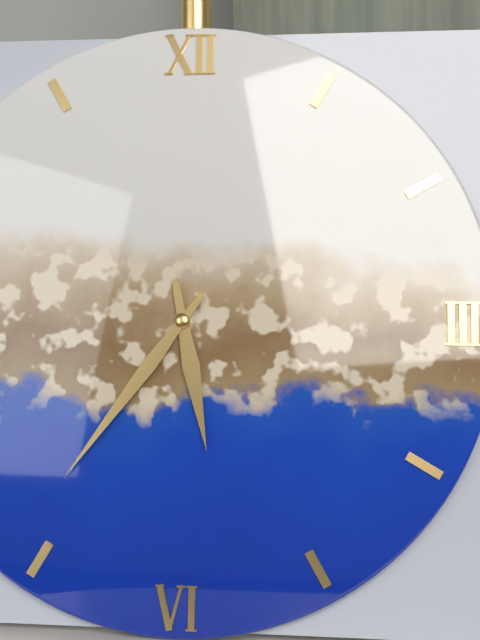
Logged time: 5:36
